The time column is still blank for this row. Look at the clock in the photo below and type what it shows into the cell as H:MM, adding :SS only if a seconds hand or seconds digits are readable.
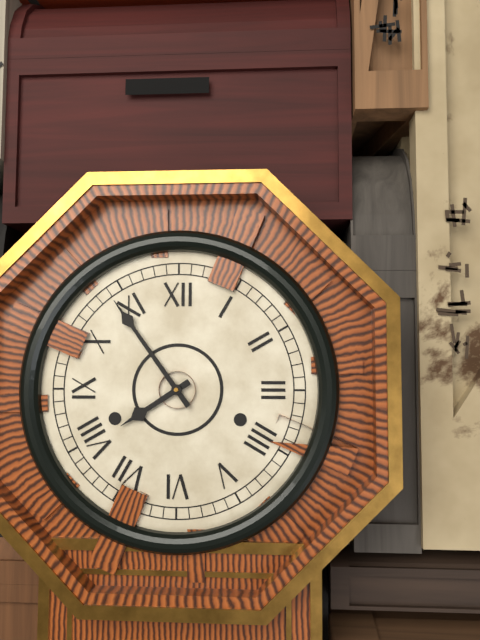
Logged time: 7:54
